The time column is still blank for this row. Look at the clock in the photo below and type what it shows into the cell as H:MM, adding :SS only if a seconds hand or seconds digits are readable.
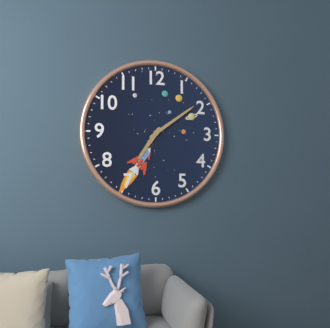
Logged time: 7:09
